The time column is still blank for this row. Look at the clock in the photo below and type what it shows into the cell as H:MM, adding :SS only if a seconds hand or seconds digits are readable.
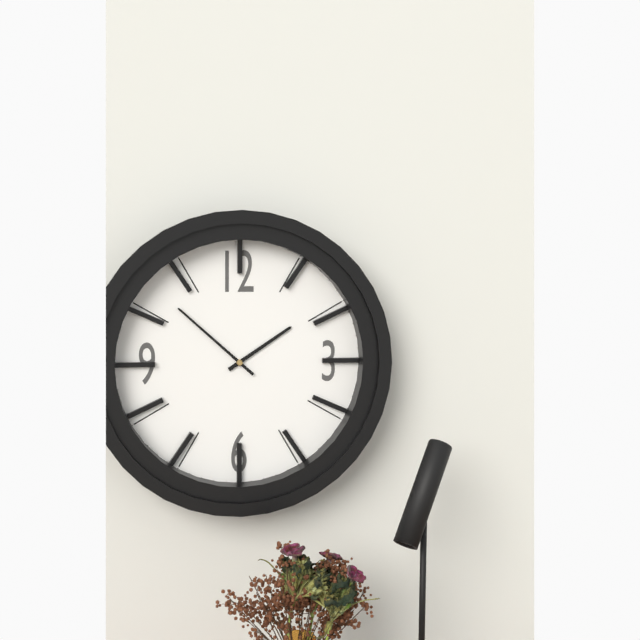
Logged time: 1:52
